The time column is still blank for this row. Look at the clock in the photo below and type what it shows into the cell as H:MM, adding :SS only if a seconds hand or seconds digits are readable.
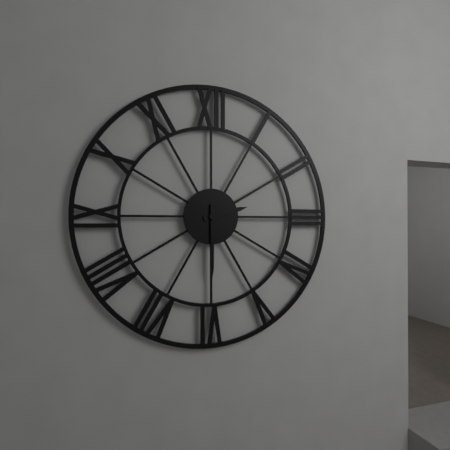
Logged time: 2:30
